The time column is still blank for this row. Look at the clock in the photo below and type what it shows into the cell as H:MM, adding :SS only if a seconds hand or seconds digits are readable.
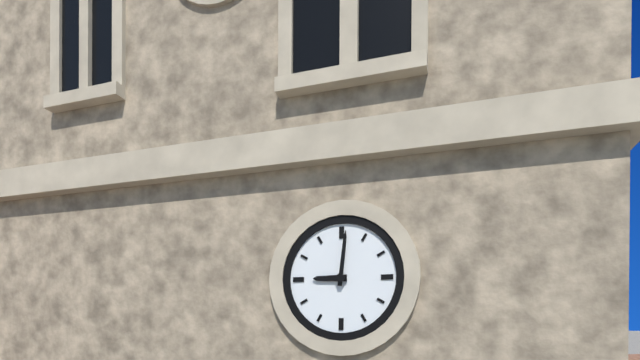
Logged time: 9:01
